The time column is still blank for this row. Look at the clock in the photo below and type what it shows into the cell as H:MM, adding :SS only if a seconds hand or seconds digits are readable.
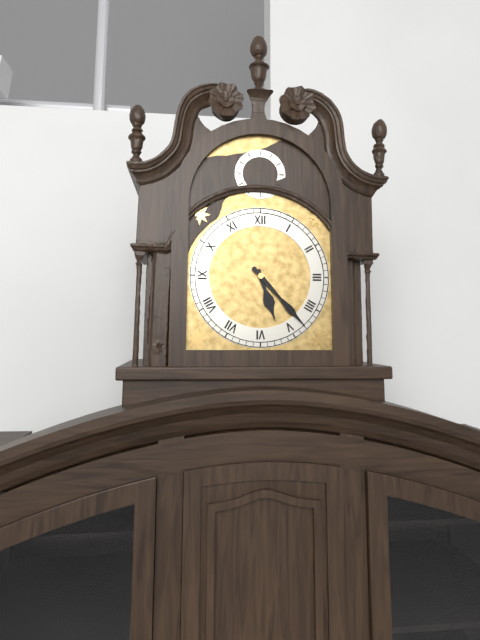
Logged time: 5:23
